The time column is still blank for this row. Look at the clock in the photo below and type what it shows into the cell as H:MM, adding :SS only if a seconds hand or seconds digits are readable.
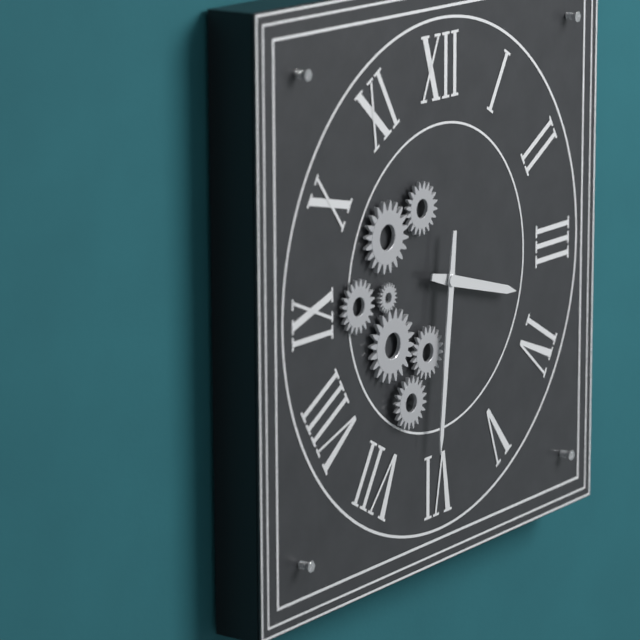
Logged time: 3:31
